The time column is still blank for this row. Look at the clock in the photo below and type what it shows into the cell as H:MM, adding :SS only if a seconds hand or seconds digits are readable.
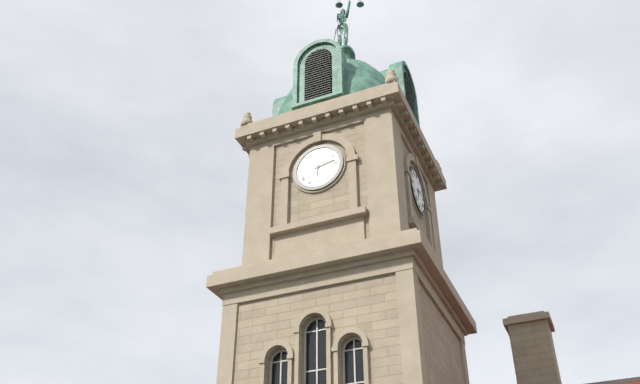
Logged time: 6:13
